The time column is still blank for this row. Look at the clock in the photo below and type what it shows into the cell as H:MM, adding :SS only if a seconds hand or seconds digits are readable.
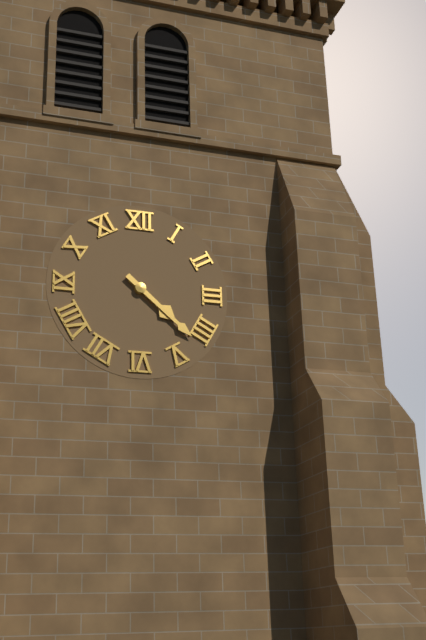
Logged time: 4:22
